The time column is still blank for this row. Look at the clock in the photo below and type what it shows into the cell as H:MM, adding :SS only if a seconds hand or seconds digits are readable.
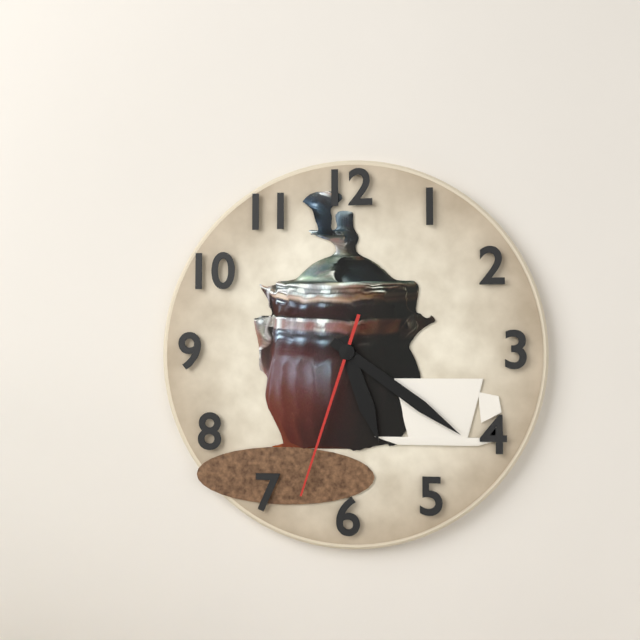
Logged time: 5:21:33
